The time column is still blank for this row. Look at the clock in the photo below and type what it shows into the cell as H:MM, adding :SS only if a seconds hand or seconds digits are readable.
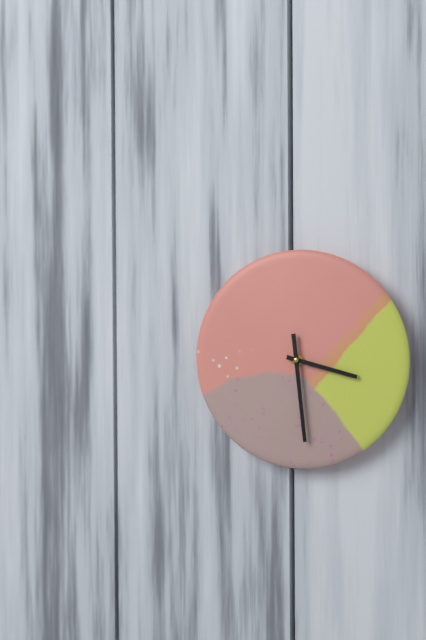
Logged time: 3:29
